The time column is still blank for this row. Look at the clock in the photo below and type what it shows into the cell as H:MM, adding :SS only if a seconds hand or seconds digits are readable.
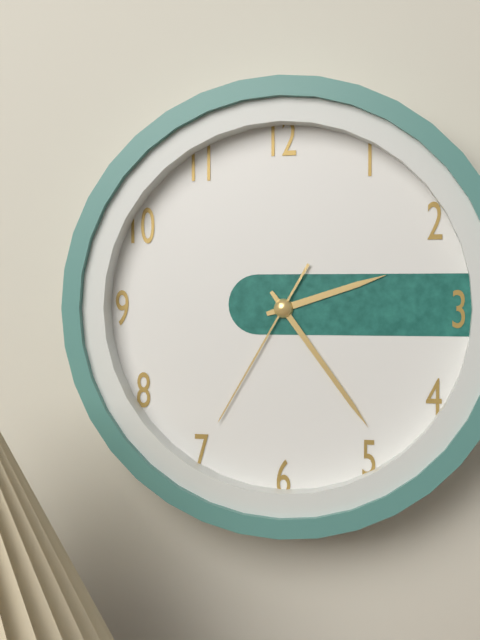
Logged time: 2:24:35
